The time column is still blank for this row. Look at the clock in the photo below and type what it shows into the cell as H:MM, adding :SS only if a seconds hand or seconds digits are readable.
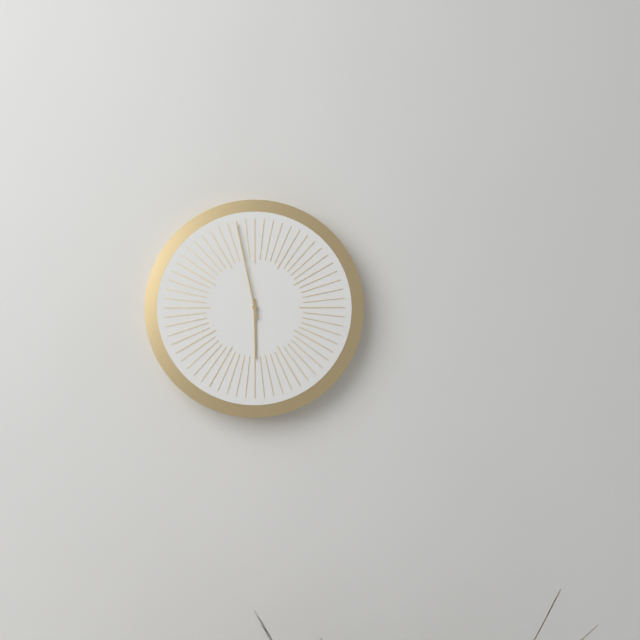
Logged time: 5:58
